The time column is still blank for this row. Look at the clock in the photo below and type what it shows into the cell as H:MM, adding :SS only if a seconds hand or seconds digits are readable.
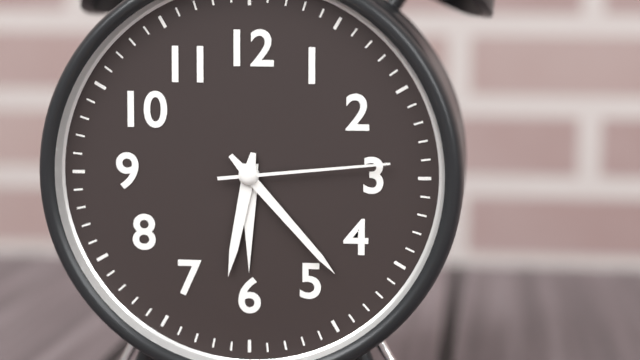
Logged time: 6:23:14
